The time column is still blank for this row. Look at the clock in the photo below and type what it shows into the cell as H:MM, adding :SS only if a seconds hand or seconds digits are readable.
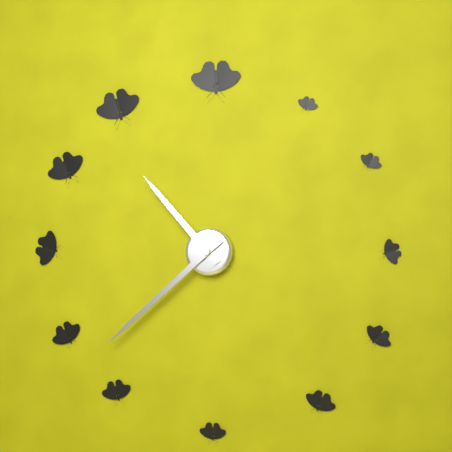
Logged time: 10:38
